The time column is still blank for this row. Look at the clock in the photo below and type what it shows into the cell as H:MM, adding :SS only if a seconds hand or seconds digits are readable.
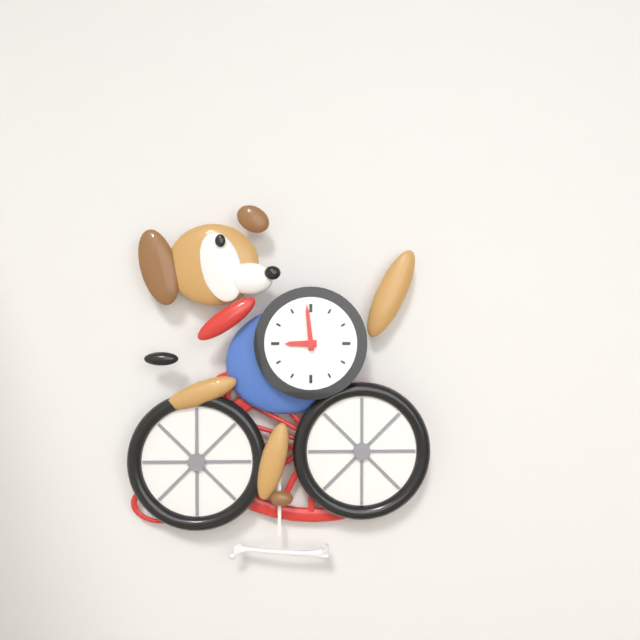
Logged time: 8:59
